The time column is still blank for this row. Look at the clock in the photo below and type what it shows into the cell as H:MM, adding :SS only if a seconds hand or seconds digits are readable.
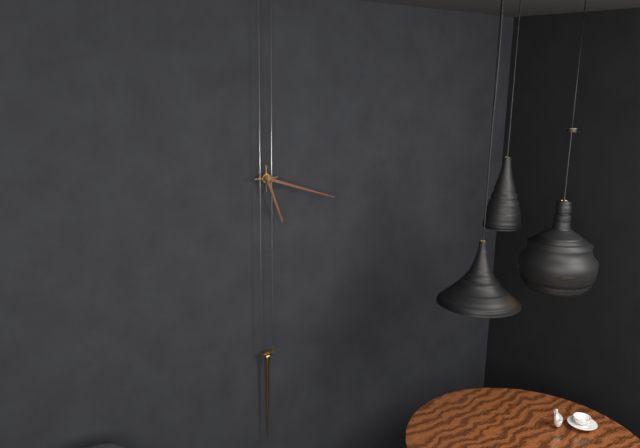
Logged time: 5:18
